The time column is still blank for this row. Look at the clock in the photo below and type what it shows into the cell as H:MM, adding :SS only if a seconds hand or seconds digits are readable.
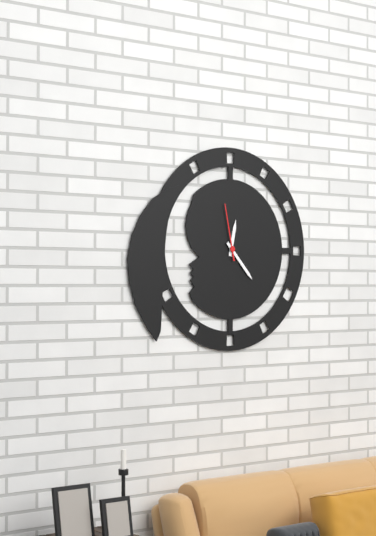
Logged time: 12:23:58
